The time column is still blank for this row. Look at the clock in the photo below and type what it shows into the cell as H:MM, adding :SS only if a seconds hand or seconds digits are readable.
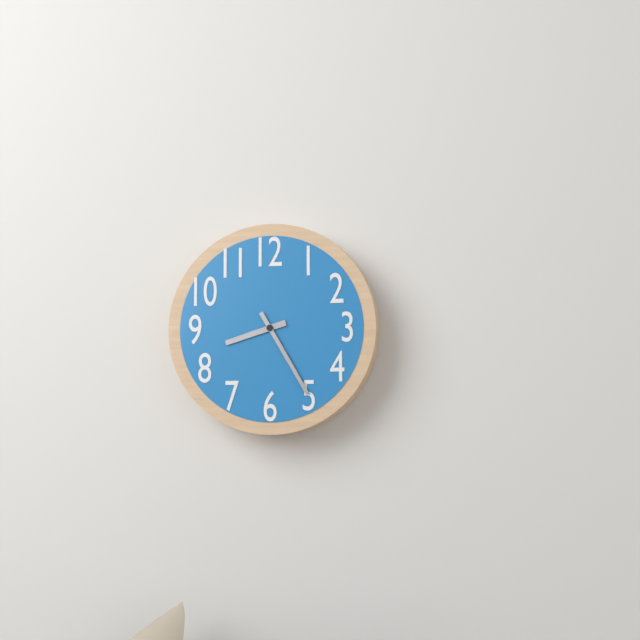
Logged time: 8:25
